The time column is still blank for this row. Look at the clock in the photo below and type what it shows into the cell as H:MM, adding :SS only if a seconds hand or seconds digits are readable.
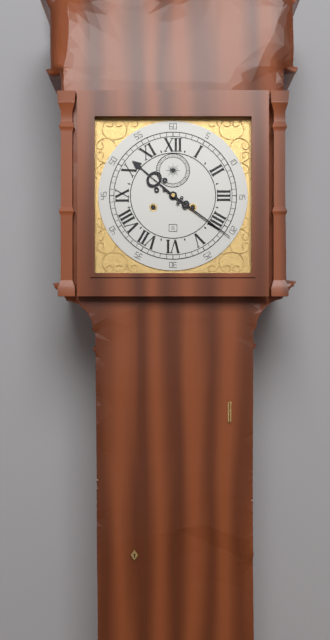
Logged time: 10:21
